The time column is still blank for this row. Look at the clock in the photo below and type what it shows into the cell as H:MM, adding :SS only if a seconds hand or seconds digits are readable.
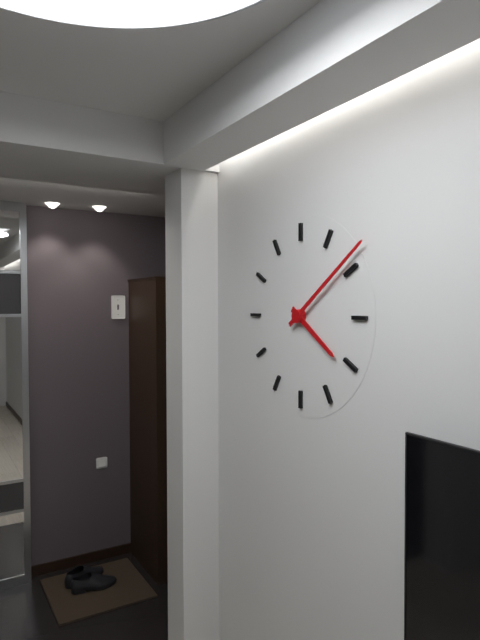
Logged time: 4:09
